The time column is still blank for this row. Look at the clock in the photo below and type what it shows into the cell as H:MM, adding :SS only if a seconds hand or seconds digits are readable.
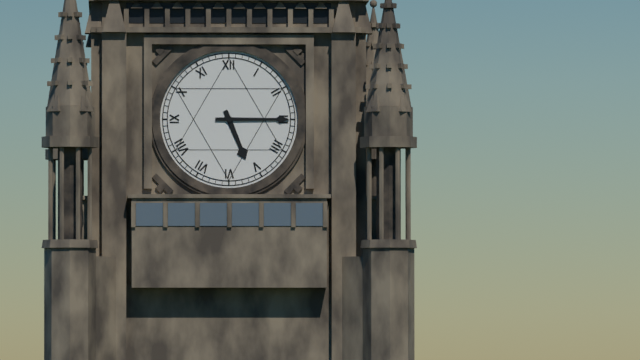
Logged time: 5:15
